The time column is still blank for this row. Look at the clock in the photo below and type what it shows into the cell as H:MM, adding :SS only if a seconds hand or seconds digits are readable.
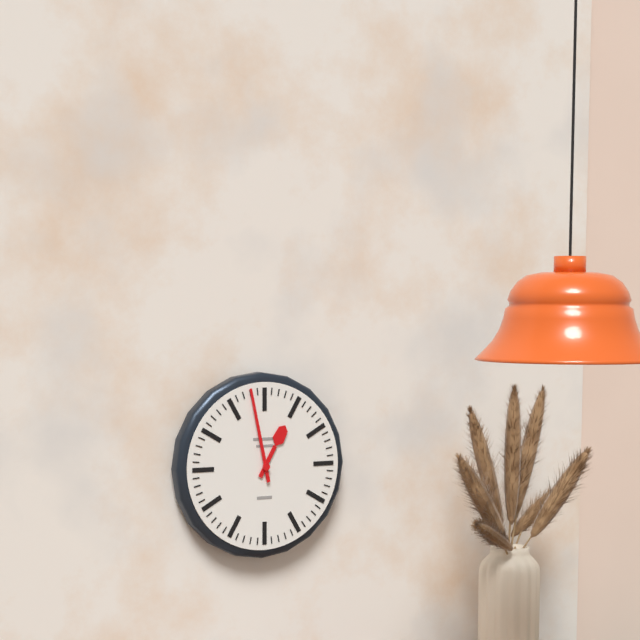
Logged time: 12:58
